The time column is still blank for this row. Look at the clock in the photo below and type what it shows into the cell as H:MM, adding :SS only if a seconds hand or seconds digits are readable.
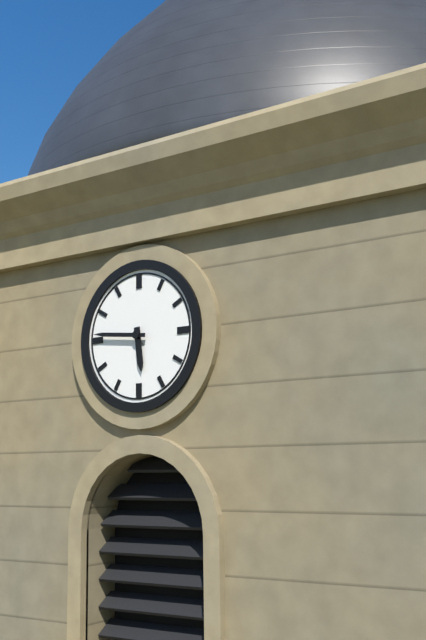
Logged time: 5:46
